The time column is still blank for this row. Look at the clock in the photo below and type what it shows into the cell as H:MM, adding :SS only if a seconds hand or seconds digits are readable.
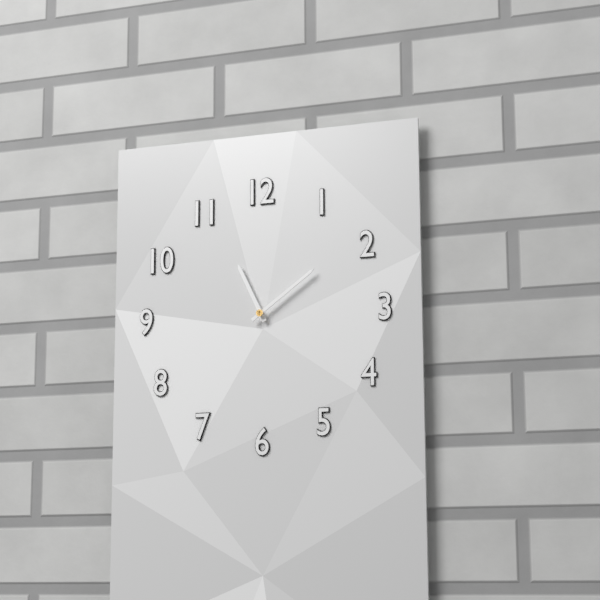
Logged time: 11:09
